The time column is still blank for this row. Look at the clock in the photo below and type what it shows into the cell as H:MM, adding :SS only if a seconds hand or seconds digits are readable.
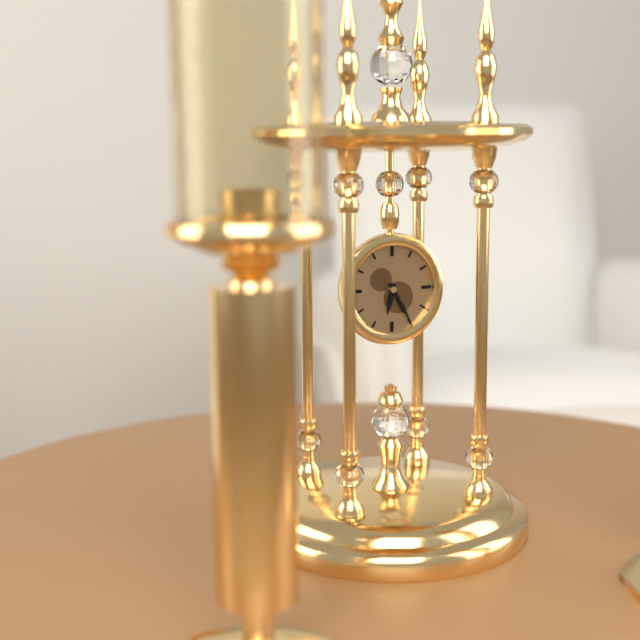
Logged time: 6:25
